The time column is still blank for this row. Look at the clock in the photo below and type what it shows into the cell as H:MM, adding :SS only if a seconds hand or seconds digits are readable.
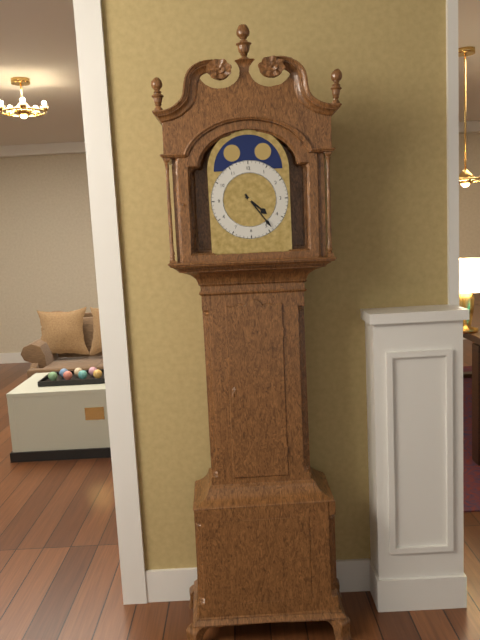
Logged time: 4:24
